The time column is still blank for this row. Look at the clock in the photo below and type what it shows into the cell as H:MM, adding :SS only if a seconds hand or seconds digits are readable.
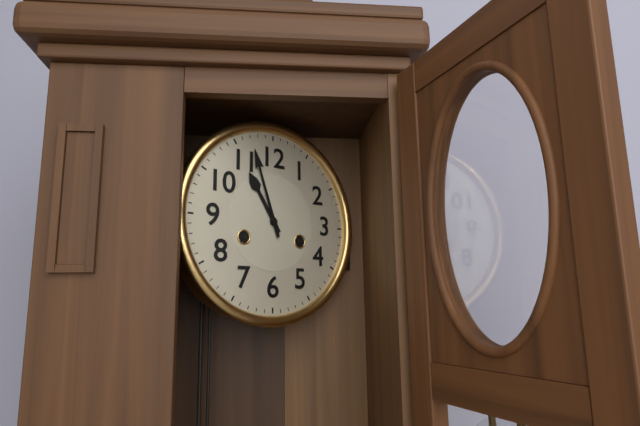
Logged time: 10:57
